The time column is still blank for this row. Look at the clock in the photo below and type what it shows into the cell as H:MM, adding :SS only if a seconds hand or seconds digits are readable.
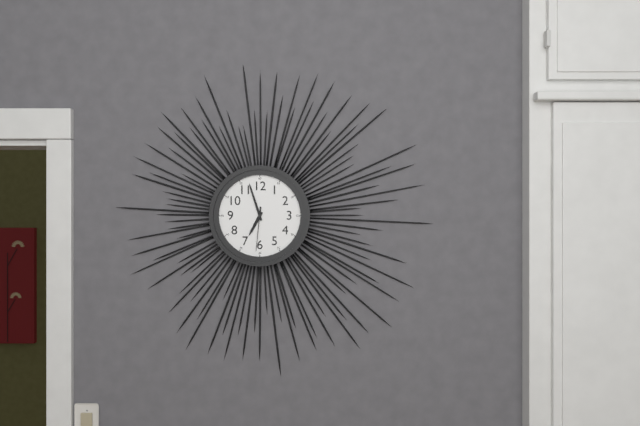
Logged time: 6:57
